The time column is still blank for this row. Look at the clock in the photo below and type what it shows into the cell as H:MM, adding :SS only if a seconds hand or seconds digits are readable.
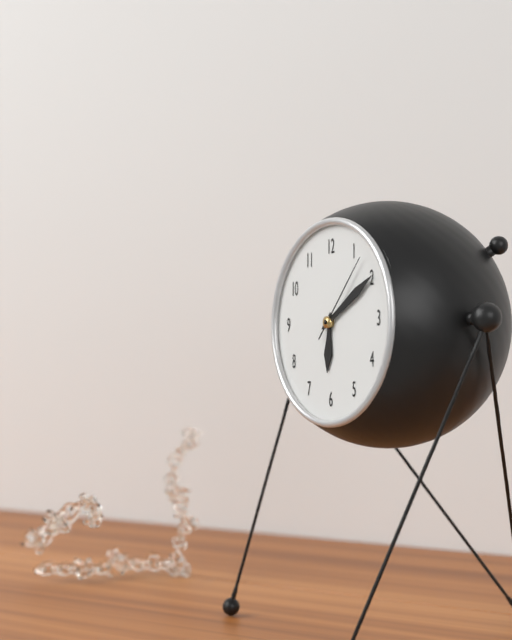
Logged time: 6:10:07
